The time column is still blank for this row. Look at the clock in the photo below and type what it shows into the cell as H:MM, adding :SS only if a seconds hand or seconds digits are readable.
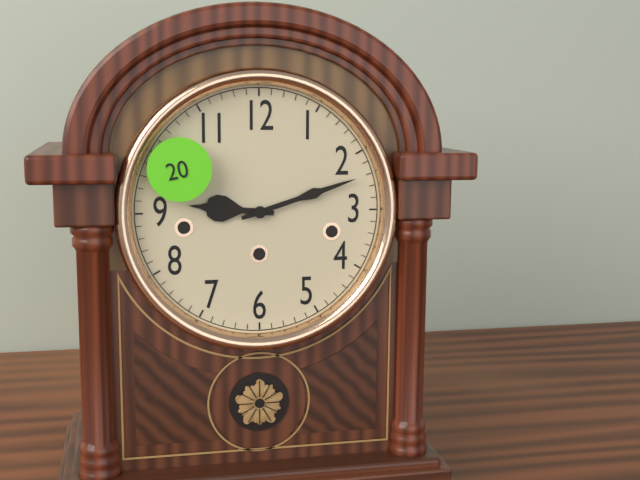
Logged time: 9:12
